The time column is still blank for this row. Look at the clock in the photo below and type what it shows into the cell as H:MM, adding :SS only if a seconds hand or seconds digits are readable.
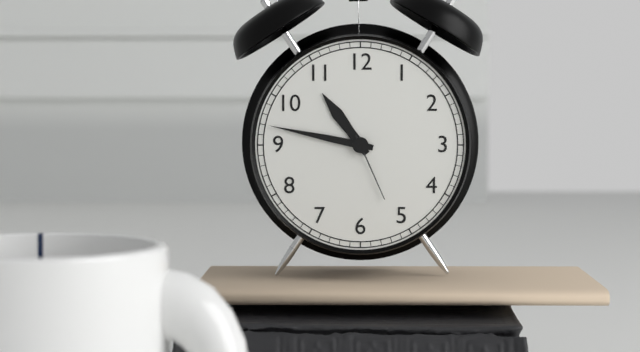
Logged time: 10:47:26
